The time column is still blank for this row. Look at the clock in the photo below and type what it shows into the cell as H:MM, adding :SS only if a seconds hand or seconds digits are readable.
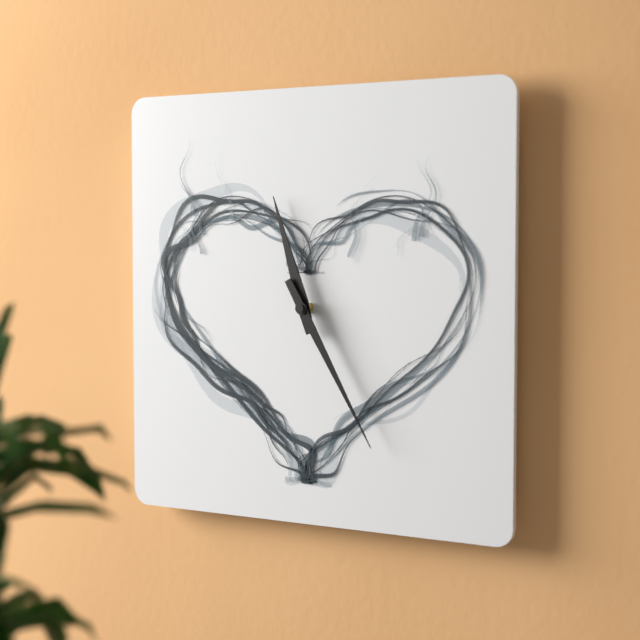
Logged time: 11:25
